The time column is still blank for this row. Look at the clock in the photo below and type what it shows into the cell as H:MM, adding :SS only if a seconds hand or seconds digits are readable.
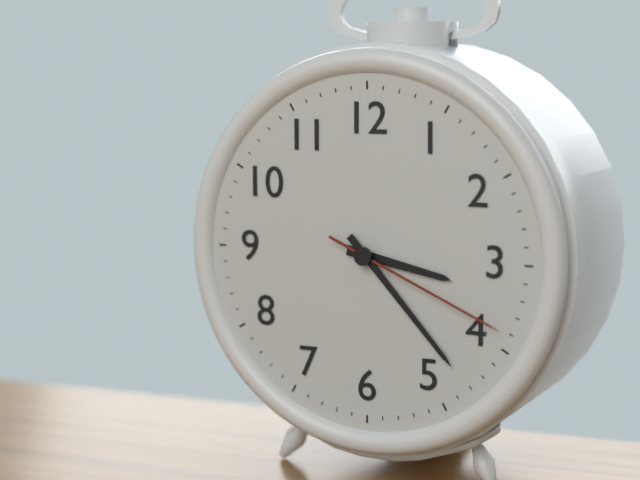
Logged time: 3:23:19
